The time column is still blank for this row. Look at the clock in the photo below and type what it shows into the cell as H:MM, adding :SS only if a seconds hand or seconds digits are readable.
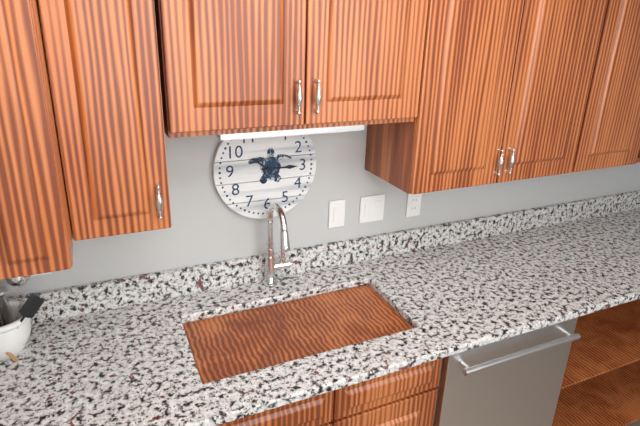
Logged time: 10:15
